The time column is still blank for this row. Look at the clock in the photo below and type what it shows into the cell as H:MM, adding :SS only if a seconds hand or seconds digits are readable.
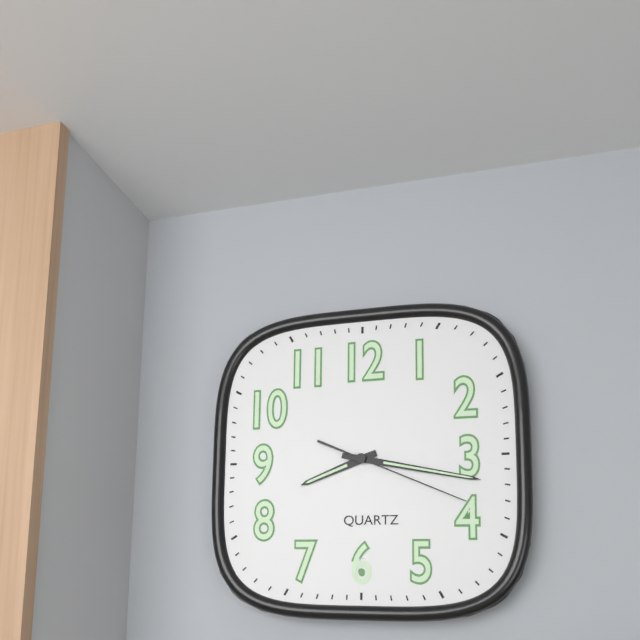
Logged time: 8:17:19
